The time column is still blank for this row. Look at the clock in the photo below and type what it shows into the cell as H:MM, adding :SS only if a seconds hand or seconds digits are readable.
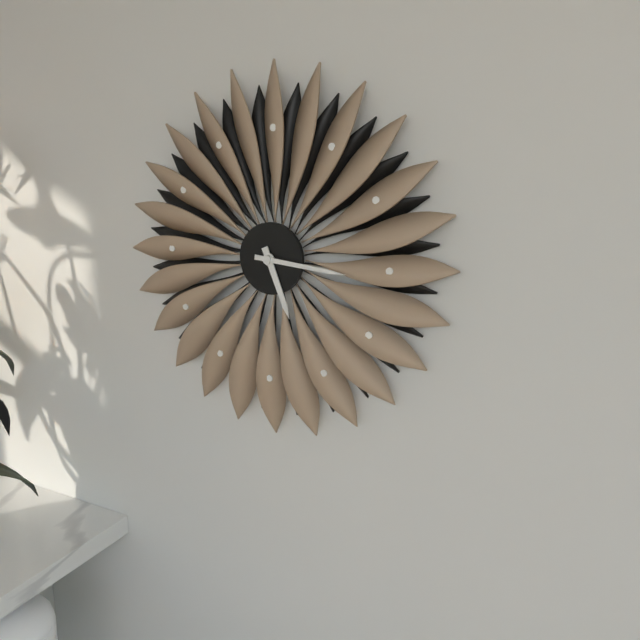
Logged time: 5:16
